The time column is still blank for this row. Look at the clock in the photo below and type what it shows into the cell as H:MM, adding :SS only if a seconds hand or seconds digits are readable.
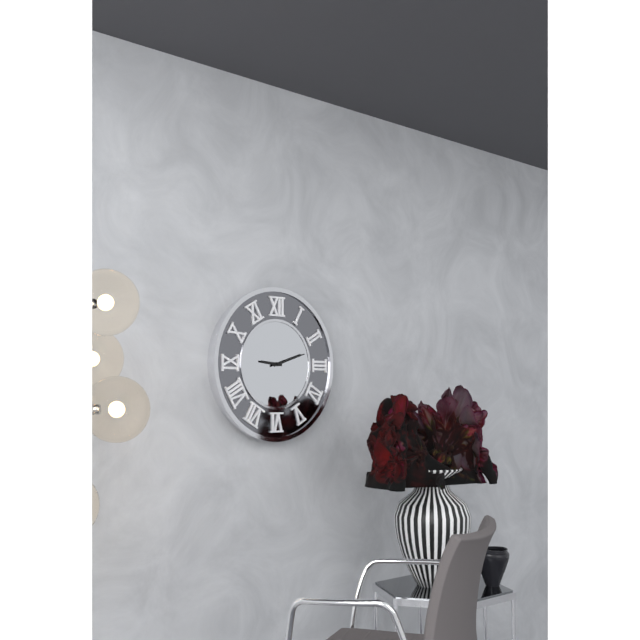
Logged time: 9:12
